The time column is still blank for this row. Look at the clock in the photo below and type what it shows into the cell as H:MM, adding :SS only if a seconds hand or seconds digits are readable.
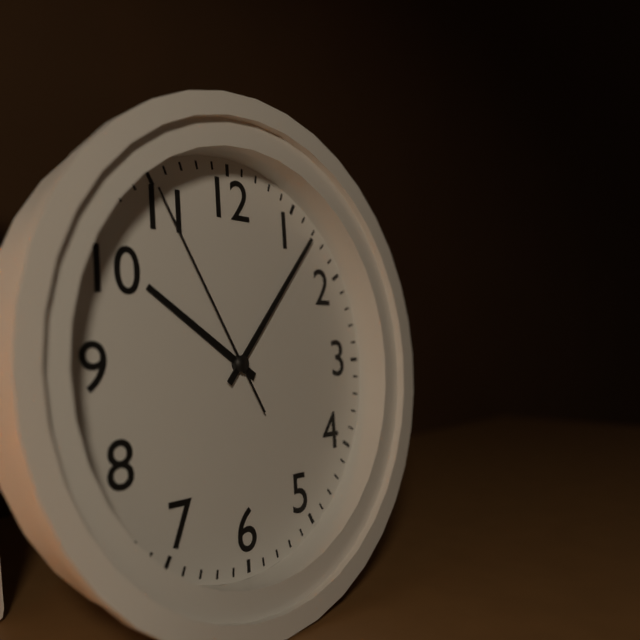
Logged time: 10:07:55
